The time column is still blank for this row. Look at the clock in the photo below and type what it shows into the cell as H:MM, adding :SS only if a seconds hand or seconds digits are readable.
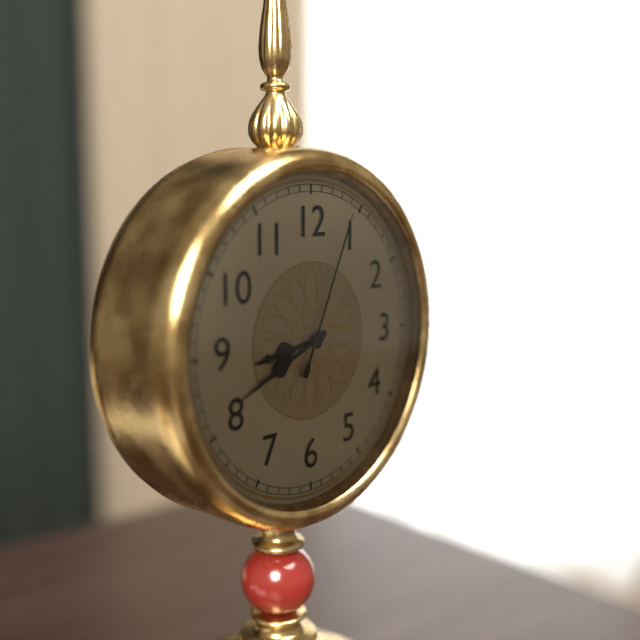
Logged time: 8:41:04
